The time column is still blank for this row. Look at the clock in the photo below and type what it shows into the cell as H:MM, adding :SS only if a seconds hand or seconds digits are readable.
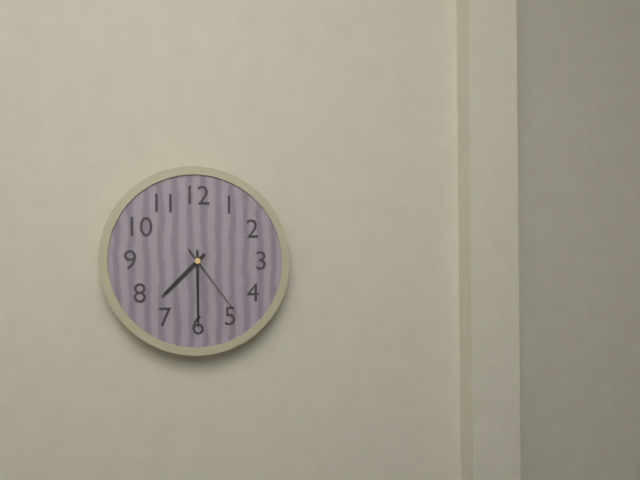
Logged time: 7:30:24
